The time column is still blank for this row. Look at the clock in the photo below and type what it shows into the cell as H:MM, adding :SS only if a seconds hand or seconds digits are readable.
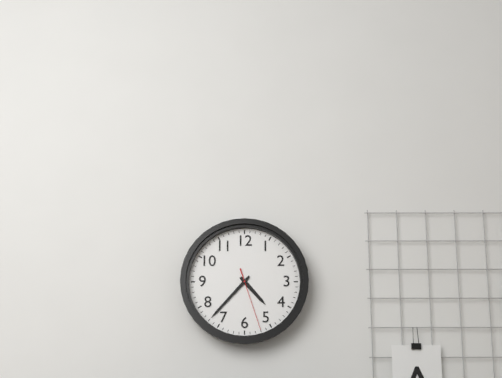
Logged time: 4:37:27
